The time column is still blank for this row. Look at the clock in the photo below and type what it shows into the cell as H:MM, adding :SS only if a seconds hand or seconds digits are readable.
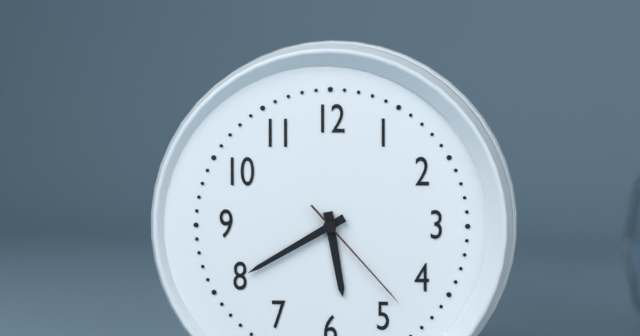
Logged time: 5:40:23
